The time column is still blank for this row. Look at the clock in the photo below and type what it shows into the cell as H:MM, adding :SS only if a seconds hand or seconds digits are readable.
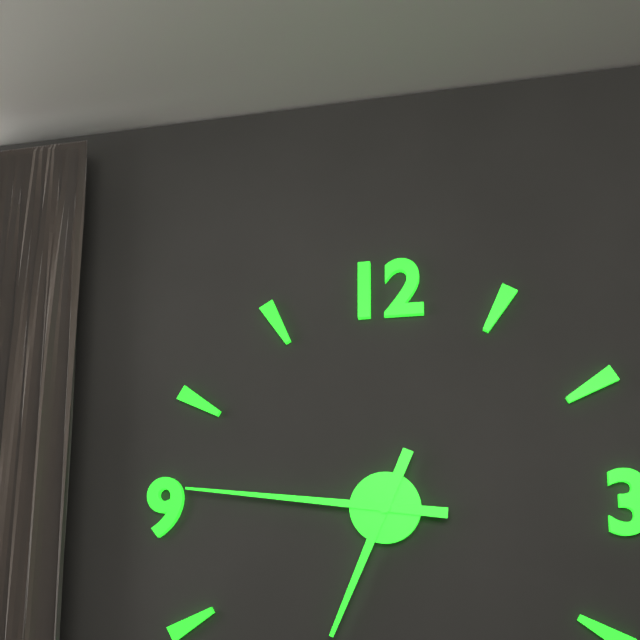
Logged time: 6:46
